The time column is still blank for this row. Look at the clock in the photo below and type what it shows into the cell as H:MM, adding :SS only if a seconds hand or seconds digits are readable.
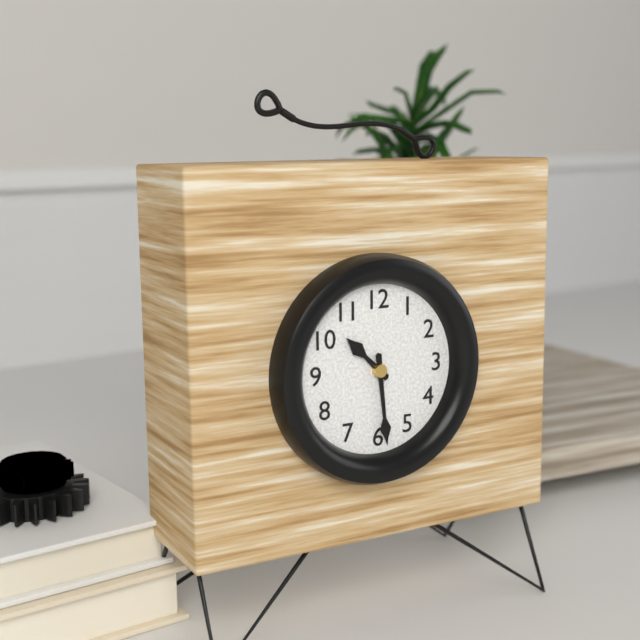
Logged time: 10:29
